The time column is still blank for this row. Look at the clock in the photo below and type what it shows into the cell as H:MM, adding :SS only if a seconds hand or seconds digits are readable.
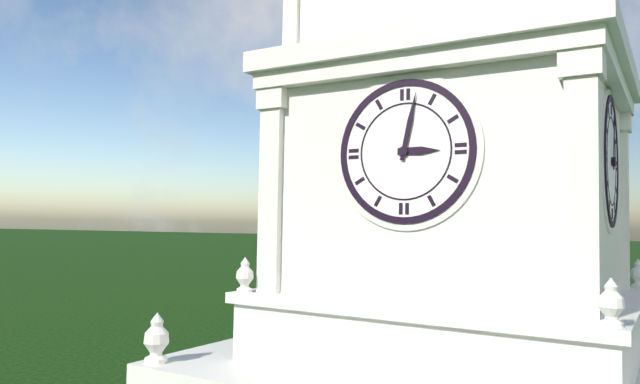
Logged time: 3:02
